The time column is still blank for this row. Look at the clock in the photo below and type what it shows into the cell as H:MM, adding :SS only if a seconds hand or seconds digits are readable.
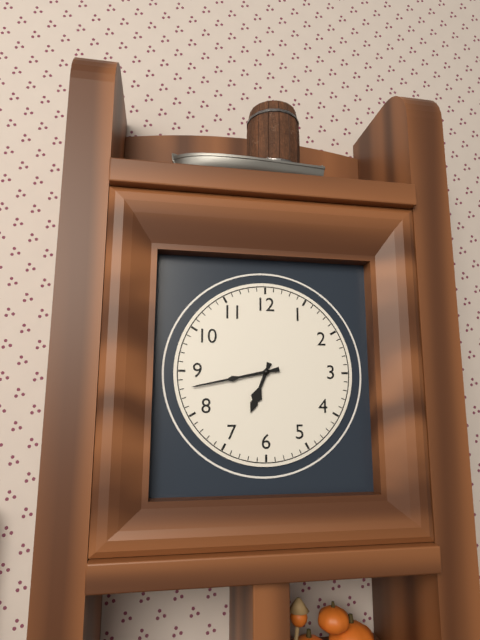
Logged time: 6:43
